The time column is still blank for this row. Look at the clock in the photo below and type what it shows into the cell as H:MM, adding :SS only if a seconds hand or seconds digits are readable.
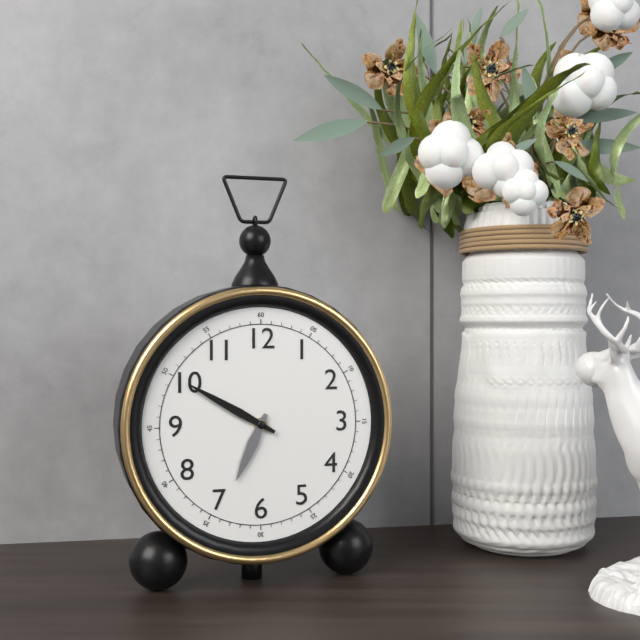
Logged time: 6:50
